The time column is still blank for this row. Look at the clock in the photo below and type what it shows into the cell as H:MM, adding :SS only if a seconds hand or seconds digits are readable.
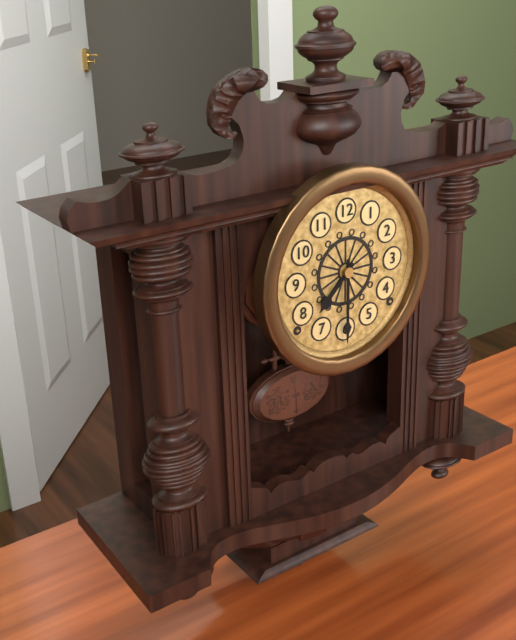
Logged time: 7:30
